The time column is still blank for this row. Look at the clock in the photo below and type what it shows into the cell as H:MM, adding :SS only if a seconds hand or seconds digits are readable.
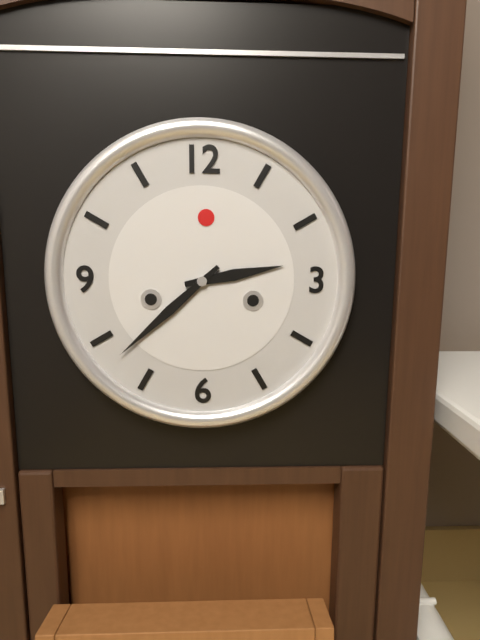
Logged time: 2:38
